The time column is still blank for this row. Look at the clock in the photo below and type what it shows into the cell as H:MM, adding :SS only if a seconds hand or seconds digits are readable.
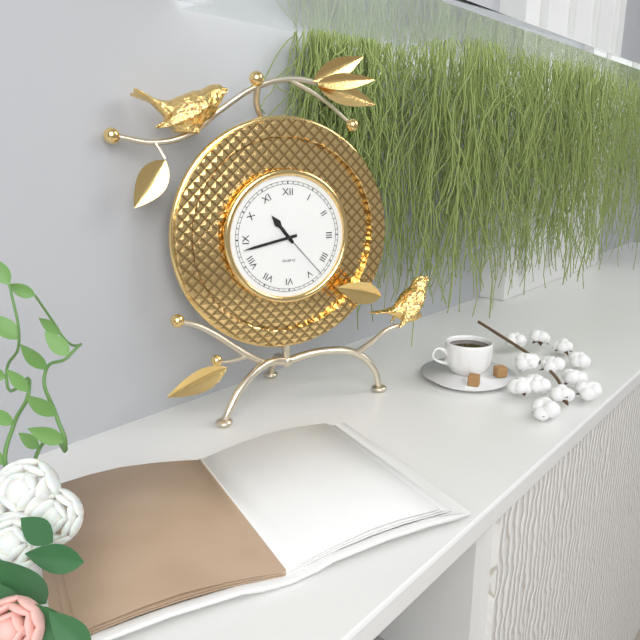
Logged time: 10:43:23
